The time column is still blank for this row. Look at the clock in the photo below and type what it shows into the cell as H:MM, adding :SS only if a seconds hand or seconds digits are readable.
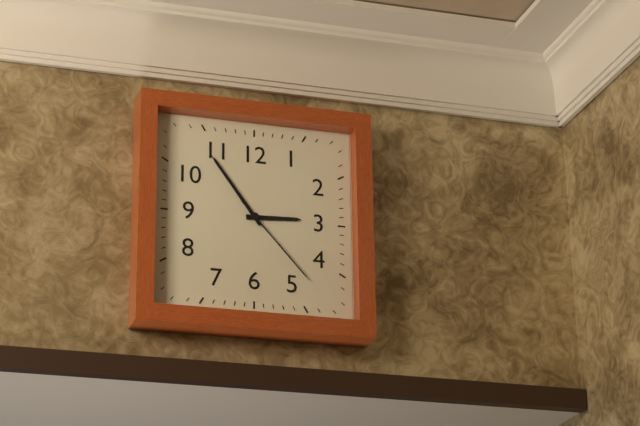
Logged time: 2:54:23
